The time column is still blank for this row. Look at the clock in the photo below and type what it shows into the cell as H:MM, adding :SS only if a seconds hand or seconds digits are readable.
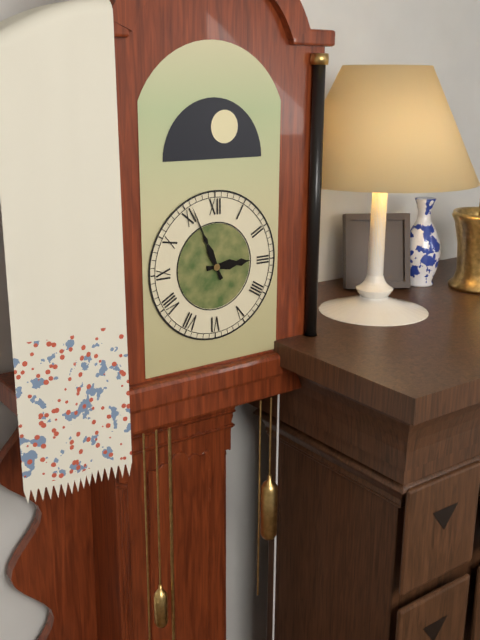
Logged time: 2:56
